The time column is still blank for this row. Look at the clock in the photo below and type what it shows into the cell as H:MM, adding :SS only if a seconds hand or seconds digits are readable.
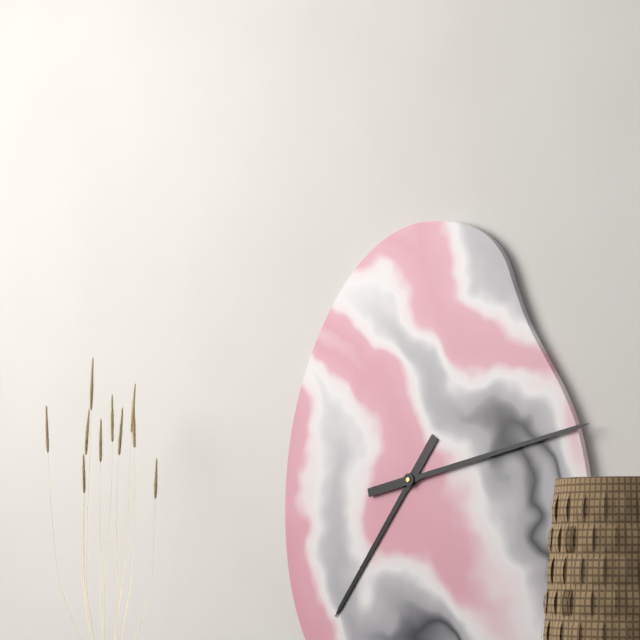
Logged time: 7:13
